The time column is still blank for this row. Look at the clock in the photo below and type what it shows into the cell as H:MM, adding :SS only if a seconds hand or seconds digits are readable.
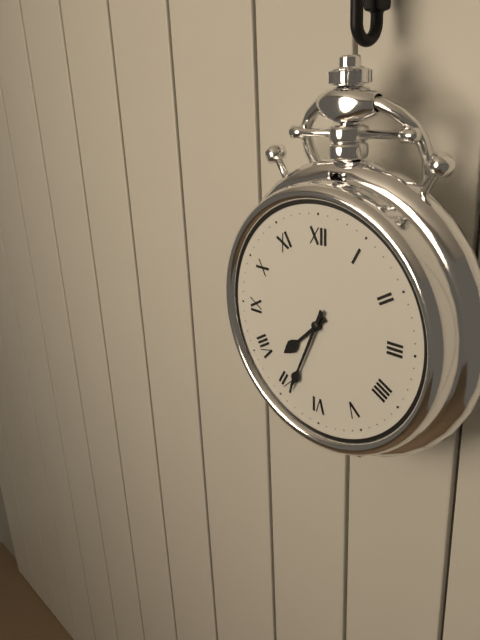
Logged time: 7:34
